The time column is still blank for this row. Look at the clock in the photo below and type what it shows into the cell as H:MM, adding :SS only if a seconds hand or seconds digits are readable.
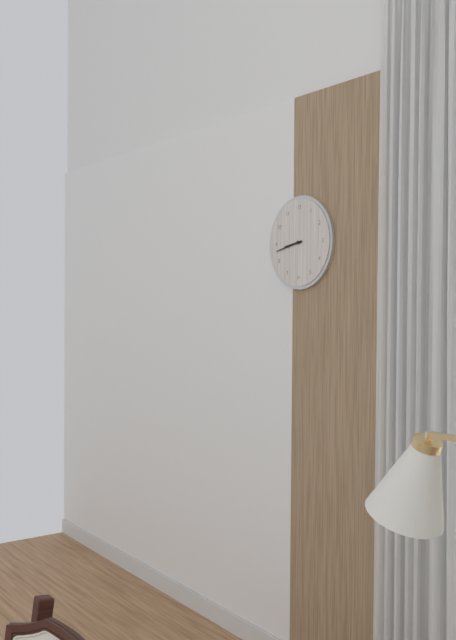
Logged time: 8:43
